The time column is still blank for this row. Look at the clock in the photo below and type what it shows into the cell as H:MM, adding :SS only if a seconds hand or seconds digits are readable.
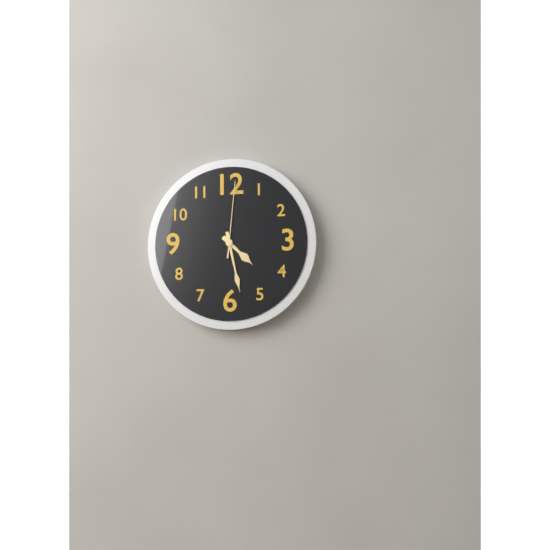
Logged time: 4:28:01
